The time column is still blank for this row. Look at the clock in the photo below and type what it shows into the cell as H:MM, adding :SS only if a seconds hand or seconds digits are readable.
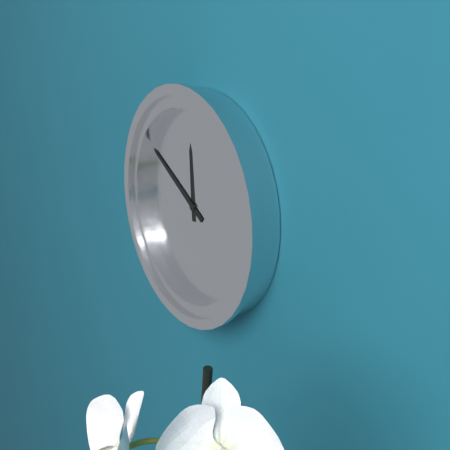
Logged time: 11:50
